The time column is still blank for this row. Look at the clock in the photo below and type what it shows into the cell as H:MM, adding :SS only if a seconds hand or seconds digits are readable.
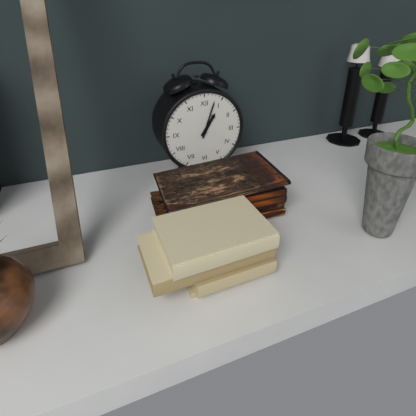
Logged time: 1:03
